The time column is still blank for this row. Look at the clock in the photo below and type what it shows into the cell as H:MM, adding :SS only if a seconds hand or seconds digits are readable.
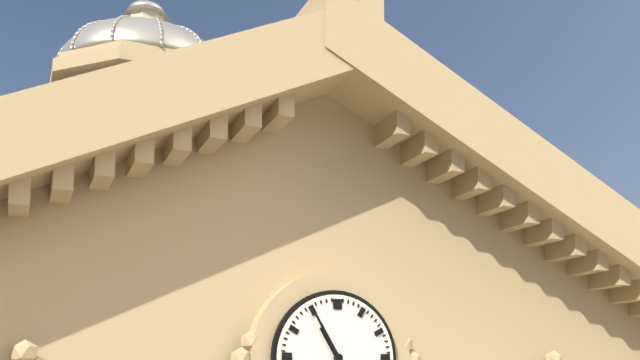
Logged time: 10:55
